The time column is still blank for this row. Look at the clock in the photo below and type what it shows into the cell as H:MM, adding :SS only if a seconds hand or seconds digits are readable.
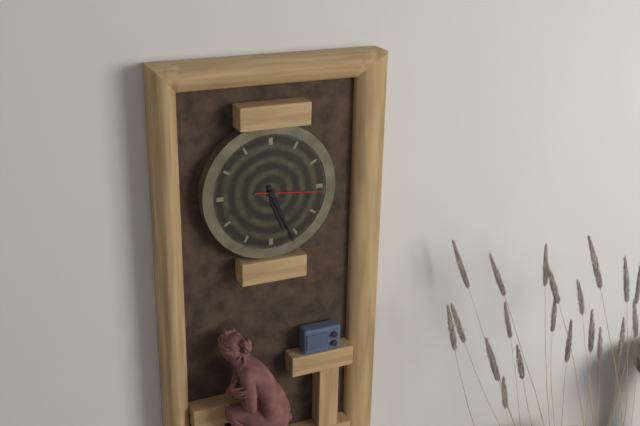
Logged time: 5:26:16
